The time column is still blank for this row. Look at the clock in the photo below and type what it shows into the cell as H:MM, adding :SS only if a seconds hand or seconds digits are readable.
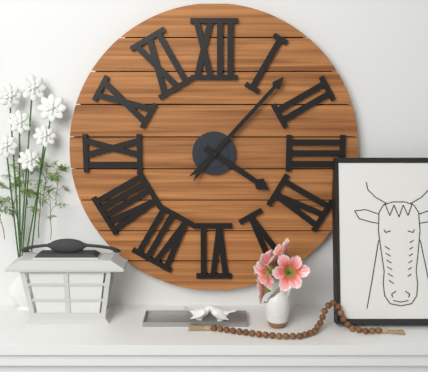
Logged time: 4:07
